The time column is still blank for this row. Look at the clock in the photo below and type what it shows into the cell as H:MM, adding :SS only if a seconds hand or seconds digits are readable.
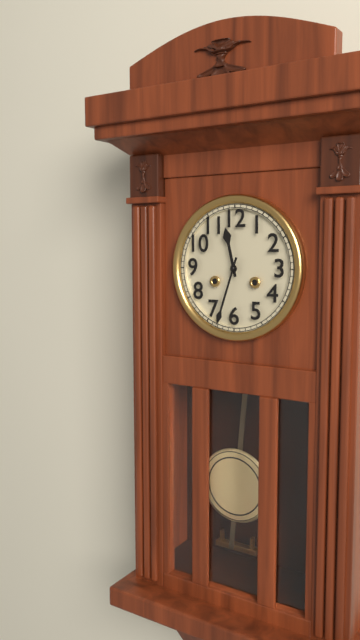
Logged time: 11:33
